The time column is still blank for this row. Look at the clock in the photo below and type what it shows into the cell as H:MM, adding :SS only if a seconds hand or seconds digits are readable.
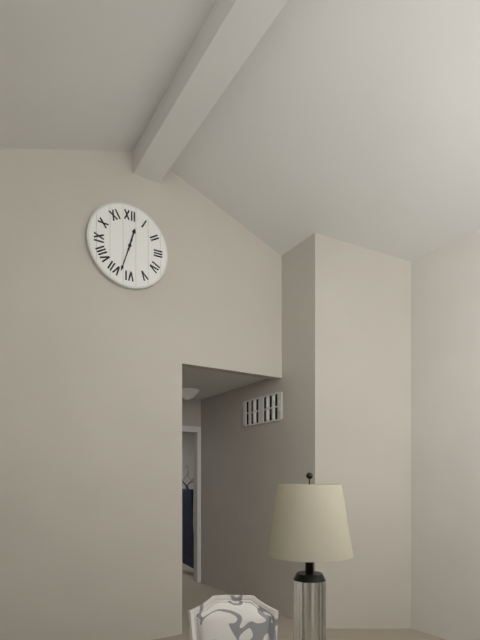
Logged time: 12:33
